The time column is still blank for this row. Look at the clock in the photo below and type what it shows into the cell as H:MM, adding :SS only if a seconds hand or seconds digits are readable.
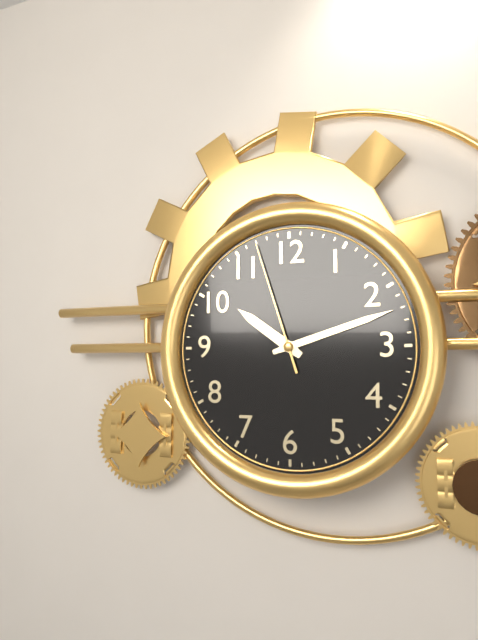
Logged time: 10:12:57
